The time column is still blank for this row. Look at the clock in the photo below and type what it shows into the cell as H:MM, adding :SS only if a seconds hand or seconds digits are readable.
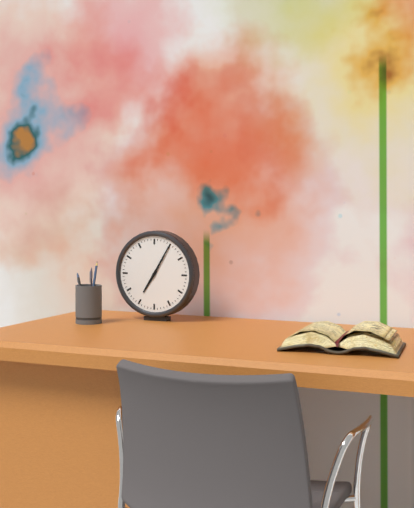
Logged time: 7:05
